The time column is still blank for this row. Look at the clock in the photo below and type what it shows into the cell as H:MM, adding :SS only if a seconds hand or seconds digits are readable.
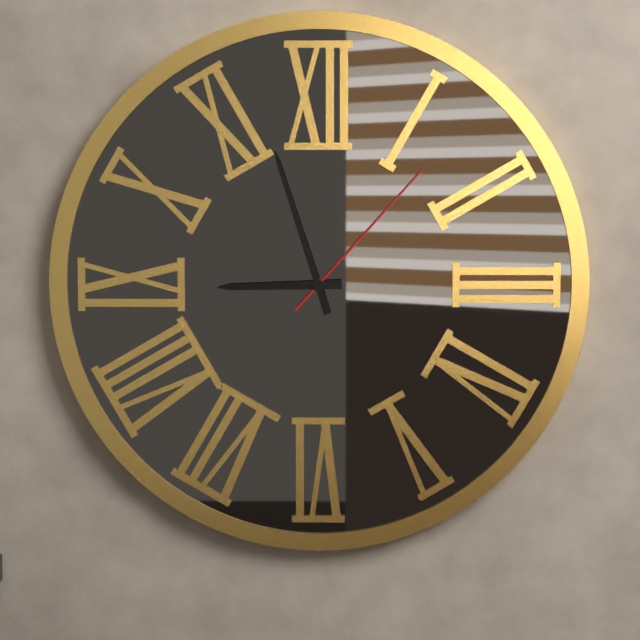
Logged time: 8:57:07
